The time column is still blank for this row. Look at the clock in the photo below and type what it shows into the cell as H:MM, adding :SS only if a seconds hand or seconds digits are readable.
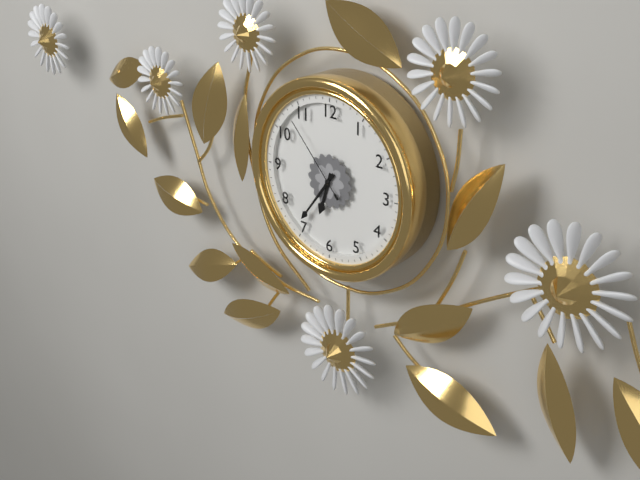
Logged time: 6:36:53
